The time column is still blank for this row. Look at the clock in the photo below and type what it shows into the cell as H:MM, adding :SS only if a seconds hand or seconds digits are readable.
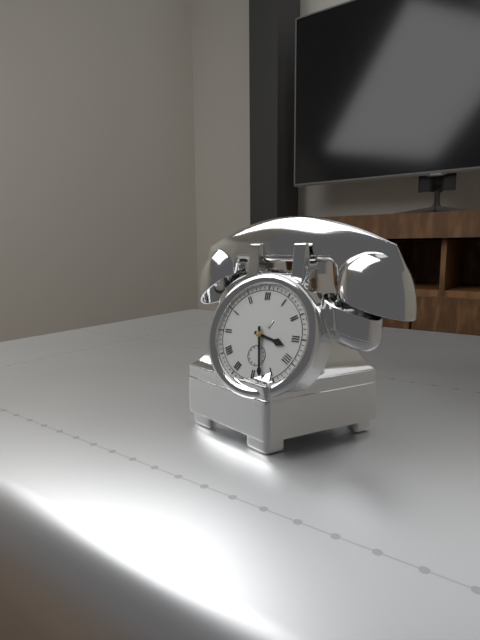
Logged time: 3:28
